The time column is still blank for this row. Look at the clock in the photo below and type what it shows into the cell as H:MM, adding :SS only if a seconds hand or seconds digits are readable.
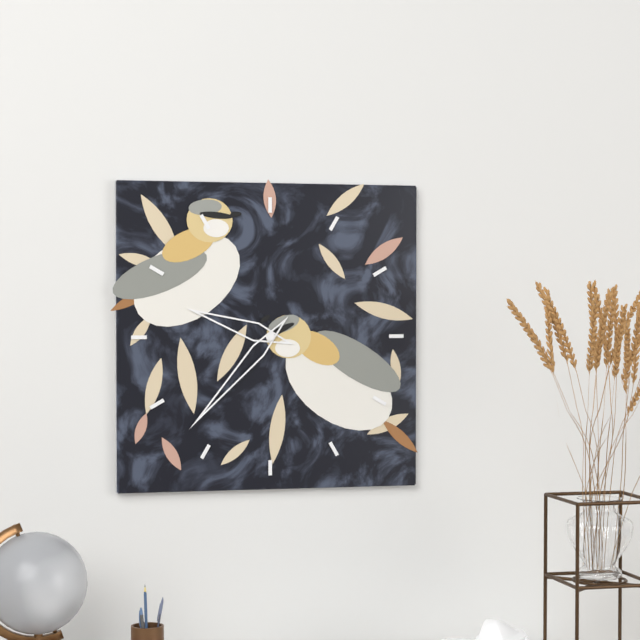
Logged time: 9:37
